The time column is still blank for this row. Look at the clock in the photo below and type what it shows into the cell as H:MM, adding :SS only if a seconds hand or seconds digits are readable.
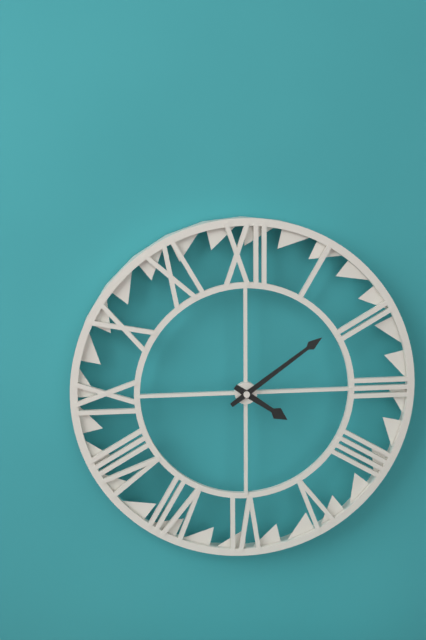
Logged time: 4:09
